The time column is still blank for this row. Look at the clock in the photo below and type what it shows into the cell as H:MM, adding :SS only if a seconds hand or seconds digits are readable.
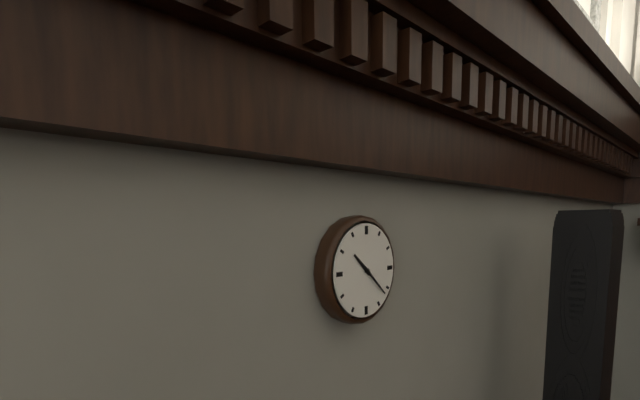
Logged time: 10:22
